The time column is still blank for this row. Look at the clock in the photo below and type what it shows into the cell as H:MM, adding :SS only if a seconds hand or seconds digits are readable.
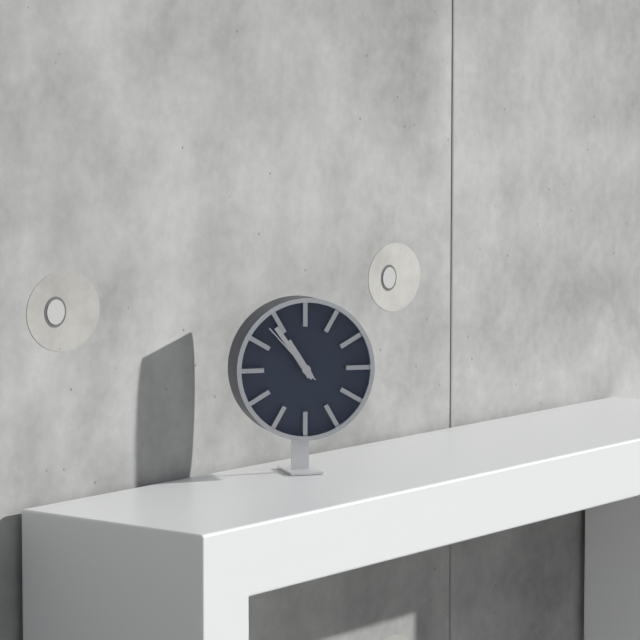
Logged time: 10:54:53
